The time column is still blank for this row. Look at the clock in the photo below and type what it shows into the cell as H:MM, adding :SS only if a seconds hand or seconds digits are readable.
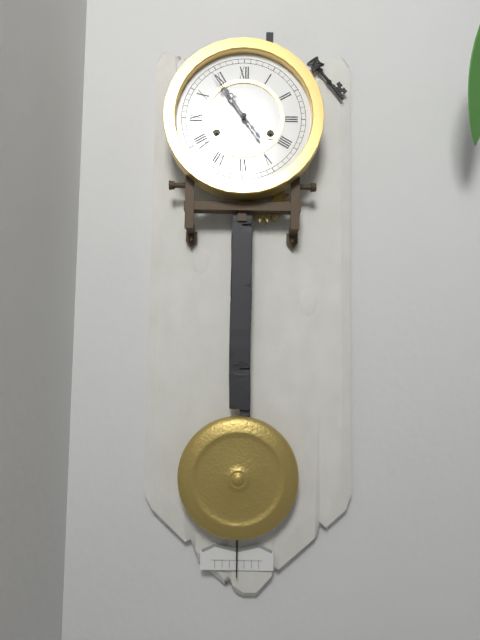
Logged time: 10:54
